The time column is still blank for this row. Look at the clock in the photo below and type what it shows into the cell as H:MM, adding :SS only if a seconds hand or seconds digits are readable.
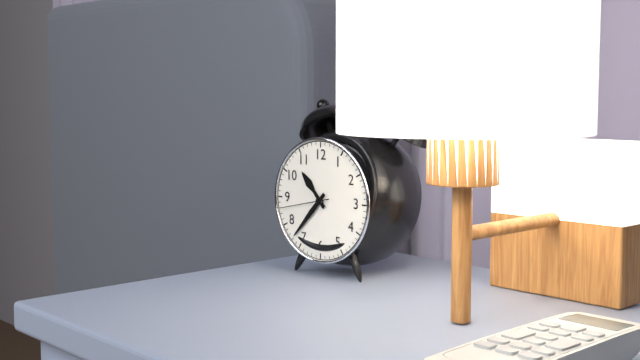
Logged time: 10:37:43
